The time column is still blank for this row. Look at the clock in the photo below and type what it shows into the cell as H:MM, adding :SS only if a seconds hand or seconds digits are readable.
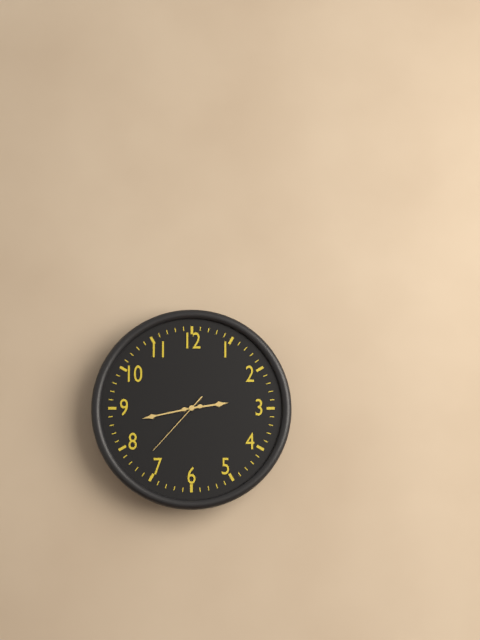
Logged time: 2:43:37
